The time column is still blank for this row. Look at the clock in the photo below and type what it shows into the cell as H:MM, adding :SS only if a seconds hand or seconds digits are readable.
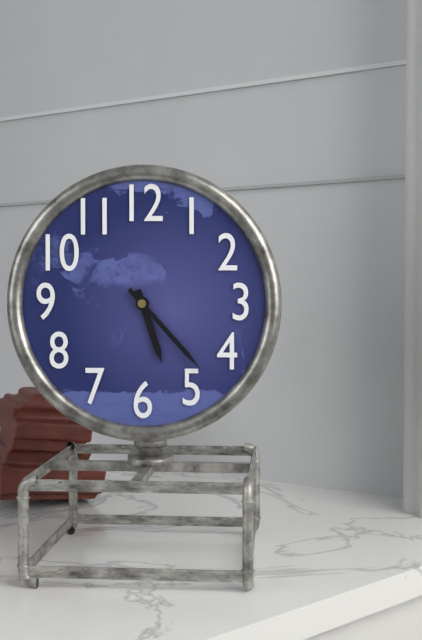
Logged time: 5:23
